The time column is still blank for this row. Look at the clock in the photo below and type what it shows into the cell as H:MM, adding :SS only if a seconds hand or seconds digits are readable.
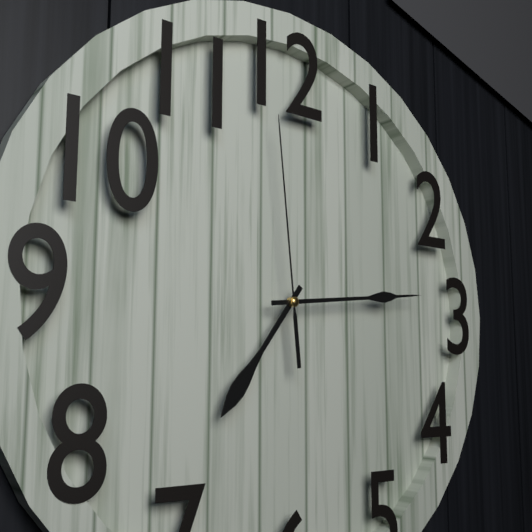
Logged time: 7:14:59
